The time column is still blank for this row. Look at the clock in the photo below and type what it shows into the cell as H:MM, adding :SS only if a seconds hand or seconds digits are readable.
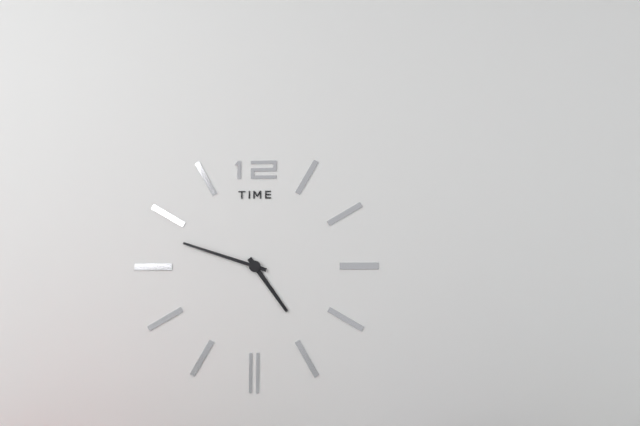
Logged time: 4:48
